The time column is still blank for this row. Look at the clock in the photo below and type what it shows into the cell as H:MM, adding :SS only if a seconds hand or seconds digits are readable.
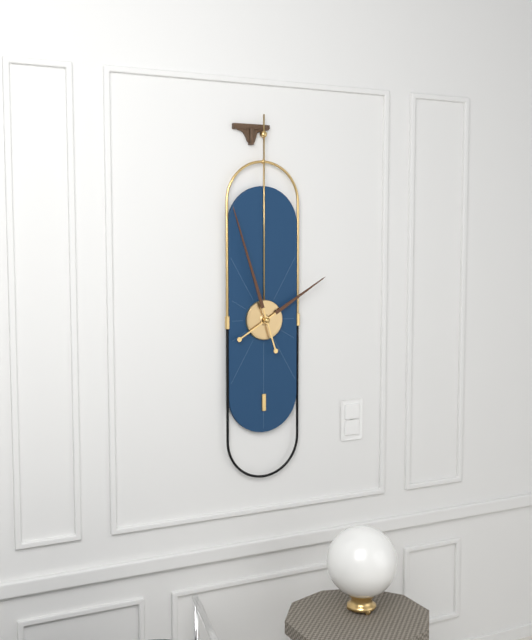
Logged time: 1:57
